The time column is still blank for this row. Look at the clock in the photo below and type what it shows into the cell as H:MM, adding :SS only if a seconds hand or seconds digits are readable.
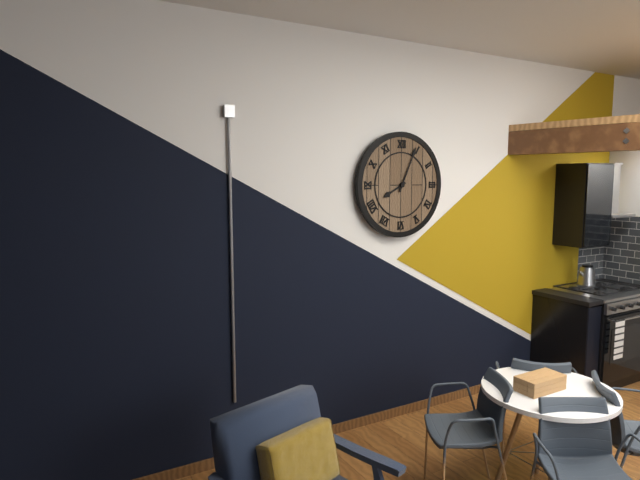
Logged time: 8:04
